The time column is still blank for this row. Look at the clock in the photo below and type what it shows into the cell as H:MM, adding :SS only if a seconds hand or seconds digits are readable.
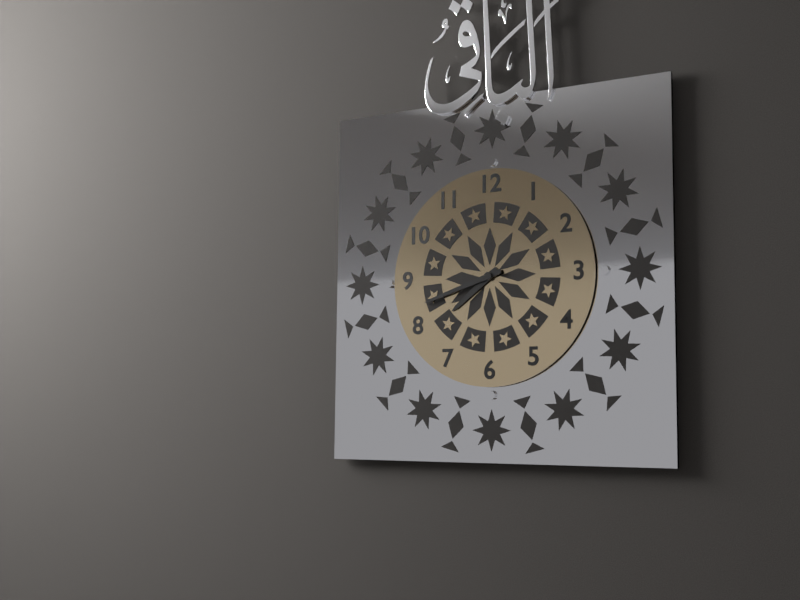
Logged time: 7:42
